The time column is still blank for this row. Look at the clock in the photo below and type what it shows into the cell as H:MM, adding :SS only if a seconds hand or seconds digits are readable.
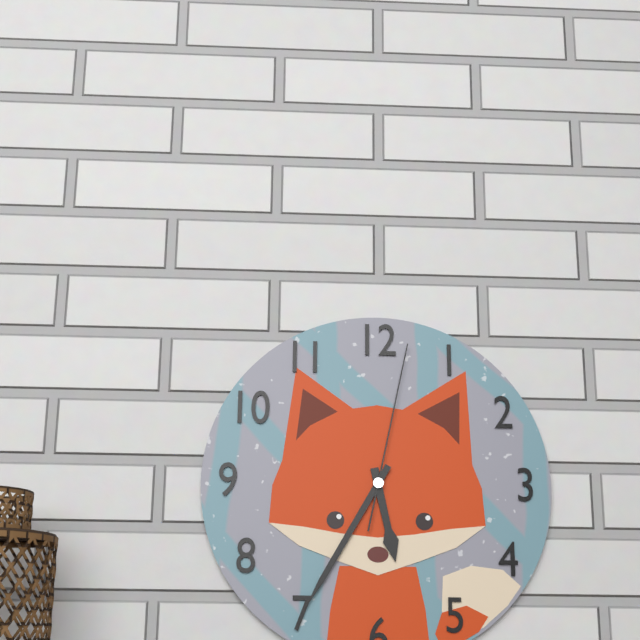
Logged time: 5:35:02
